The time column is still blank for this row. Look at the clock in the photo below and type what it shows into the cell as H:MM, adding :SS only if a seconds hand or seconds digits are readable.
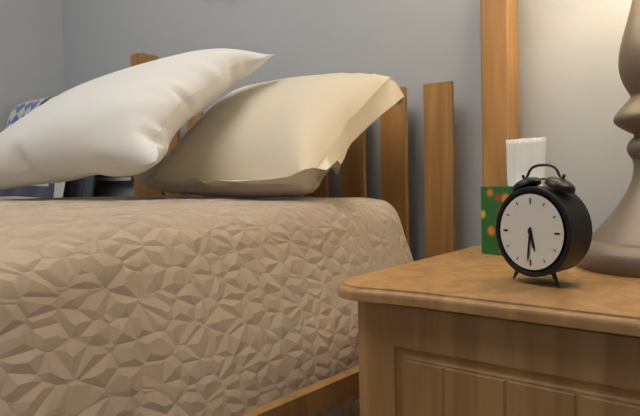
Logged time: 5:31
